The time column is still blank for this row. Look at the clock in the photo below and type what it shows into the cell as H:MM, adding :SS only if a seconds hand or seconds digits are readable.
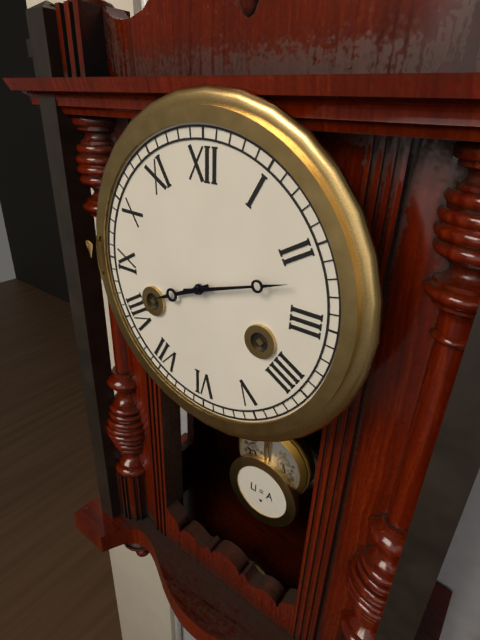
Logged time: 8:12
